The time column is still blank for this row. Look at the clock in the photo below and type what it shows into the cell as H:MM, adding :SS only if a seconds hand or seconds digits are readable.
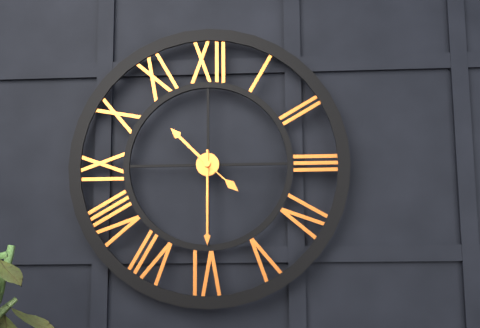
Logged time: 10:30:22
